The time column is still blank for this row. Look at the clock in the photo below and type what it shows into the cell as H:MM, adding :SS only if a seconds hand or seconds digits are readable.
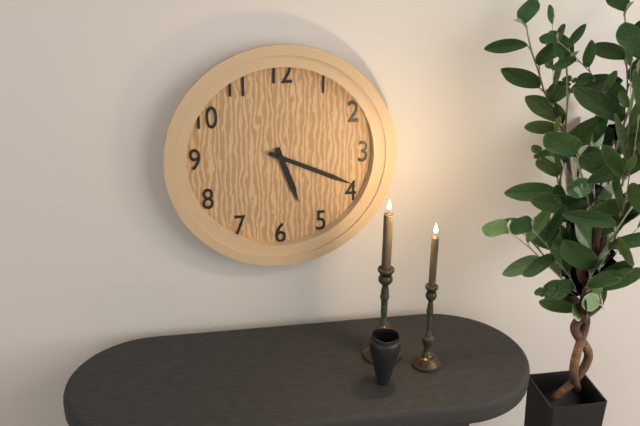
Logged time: 5:19
